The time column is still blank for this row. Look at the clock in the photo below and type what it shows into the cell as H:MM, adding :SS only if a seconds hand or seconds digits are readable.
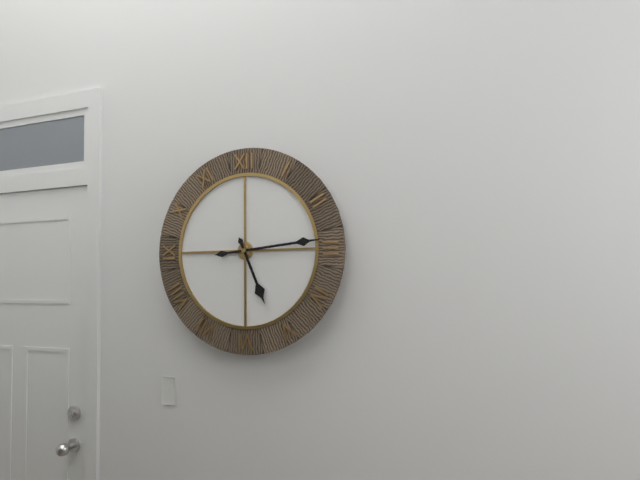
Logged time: 5:14
